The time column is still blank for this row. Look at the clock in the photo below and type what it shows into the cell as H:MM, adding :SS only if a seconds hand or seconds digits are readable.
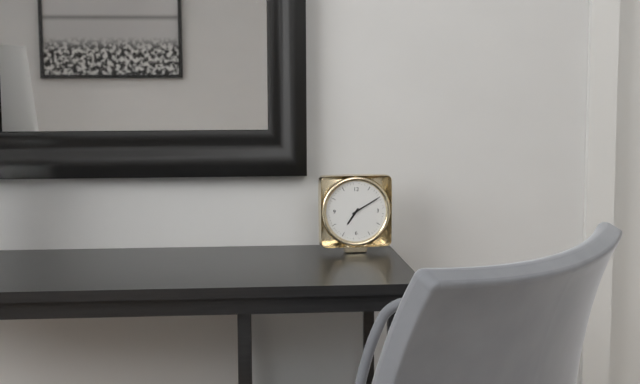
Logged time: 7:10
